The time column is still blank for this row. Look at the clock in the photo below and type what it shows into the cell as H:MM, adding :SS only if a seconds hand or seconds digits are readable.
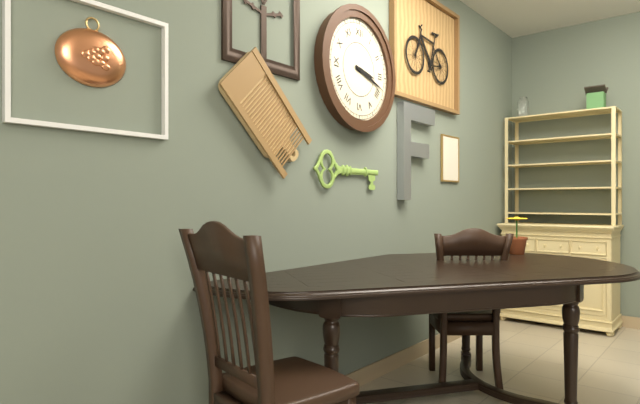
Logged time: 3:18
